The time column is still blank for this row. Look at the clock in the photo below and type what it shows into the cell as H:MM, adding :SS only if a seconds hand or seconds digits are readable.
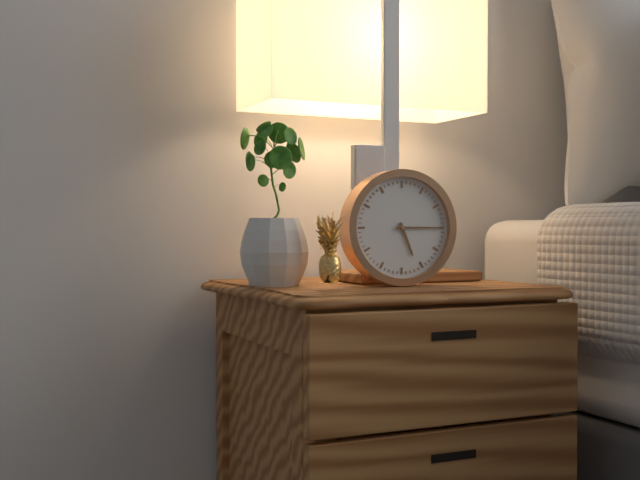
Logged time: 5:15
